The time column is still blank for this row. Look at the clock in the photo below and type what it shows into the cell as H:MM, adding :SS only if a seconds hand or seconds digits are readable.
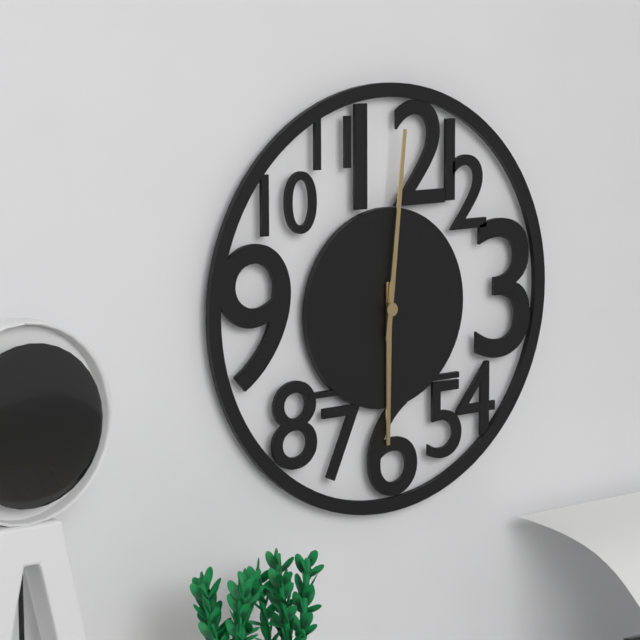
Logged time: 6:01
